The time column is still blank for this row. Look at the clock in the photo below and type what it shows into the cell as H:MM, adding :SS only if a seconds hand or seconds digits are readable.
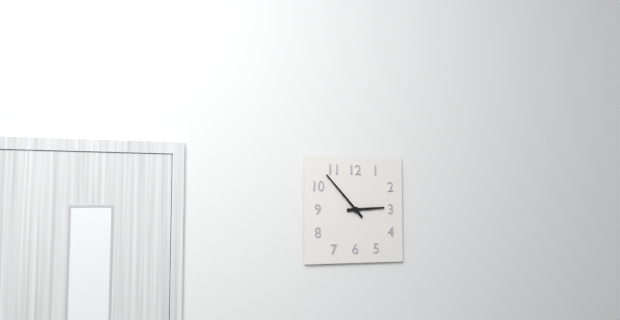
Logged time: 2:53
